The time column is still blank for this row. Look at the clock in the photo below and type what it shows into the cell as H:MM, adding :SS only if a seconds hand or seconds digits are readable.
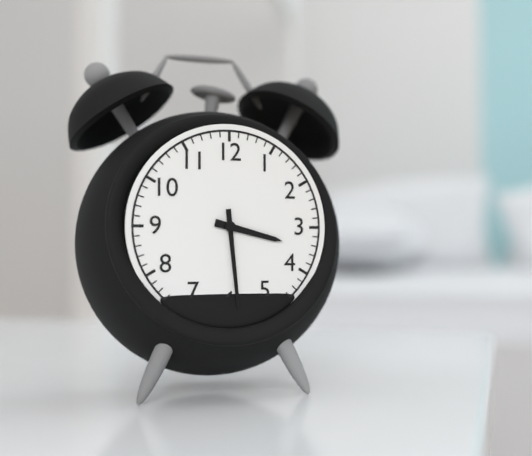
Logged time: 3:29
